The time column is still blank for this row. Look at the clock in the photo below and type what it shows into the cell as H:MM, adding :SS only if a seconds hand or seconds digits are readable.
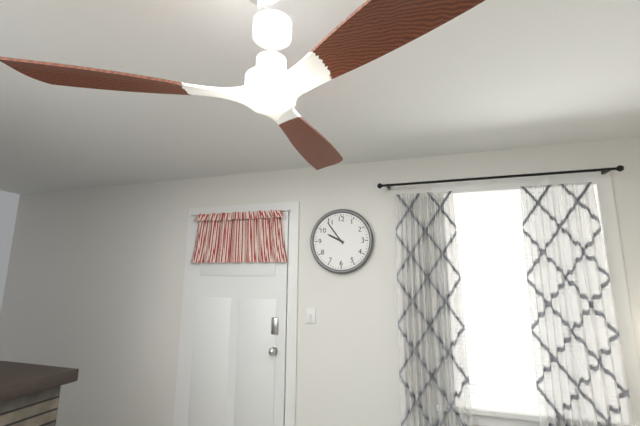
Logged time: 9:54
